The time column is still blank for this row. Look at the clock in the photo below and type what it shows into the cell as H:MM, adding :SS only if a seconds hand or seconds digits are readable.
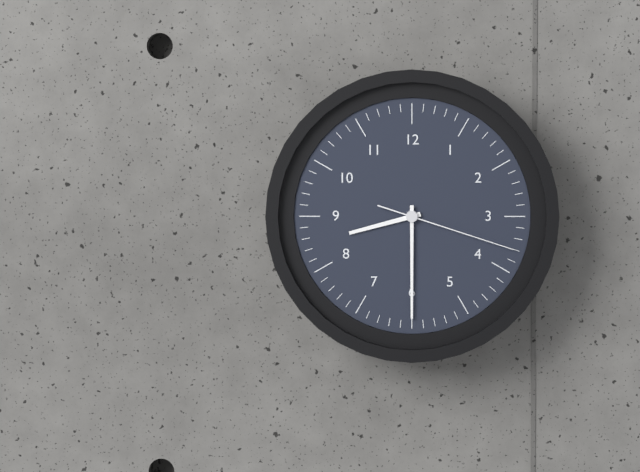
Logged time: 8:30:18
